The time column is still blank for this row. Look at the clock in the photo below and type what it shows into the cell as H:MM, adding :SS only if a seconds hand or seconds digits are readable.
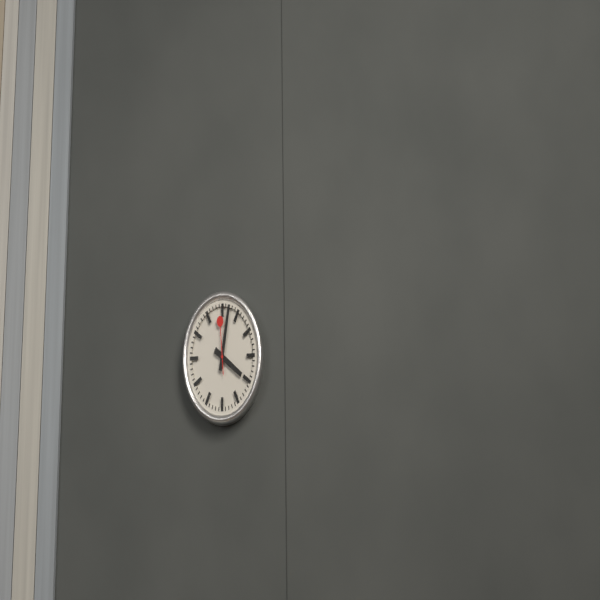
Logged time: 4:02:59
